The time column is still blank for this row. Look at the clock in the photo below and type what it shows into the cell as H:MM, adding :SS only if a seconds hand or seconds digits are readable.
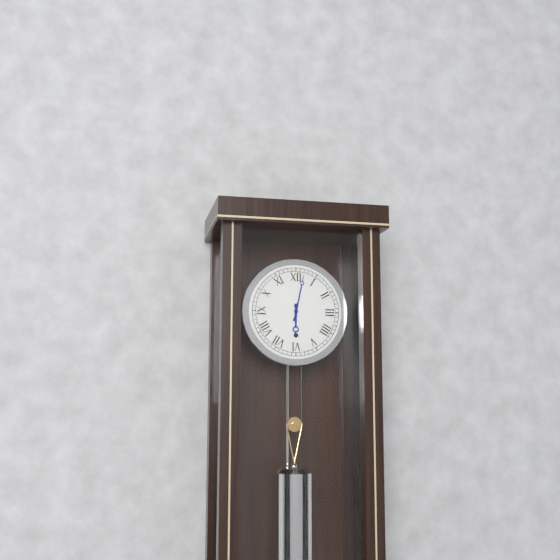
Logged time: 6:02
